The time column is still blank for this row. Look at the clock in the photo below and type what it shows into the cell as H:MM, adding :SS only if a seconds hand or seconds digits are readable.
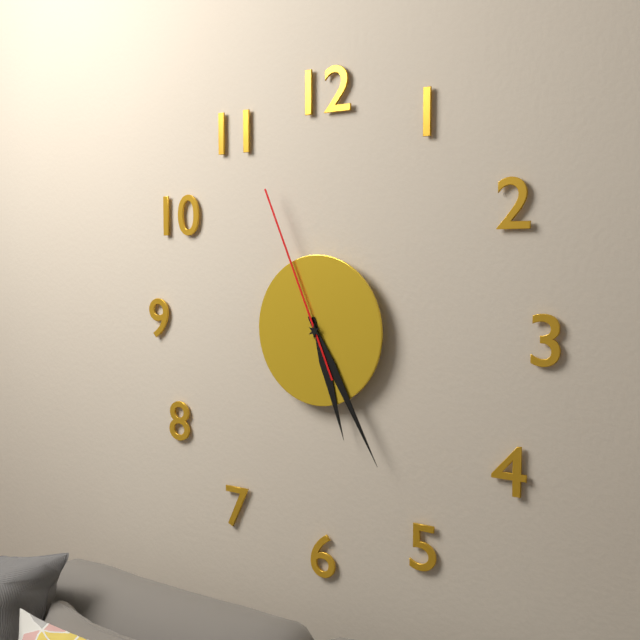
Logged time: 5:25:56
